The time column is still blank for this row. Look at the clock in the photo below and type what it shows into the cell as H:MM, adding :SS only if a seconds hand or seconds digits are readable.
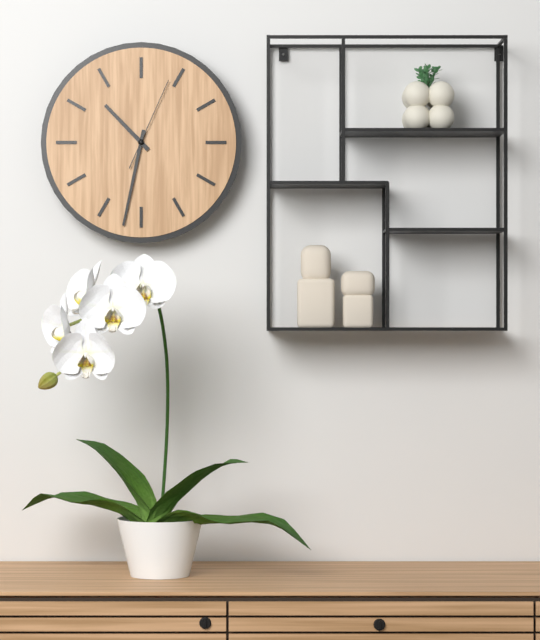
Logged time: 10:32:04
